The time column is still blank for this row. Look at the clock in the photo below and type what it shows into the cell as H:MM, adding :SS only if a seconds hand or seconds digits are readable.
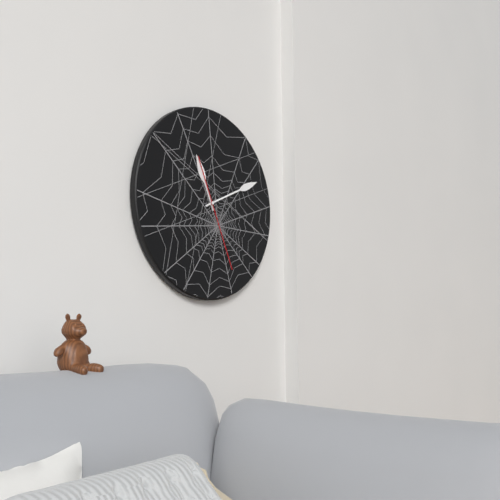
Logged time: 11:11:26
